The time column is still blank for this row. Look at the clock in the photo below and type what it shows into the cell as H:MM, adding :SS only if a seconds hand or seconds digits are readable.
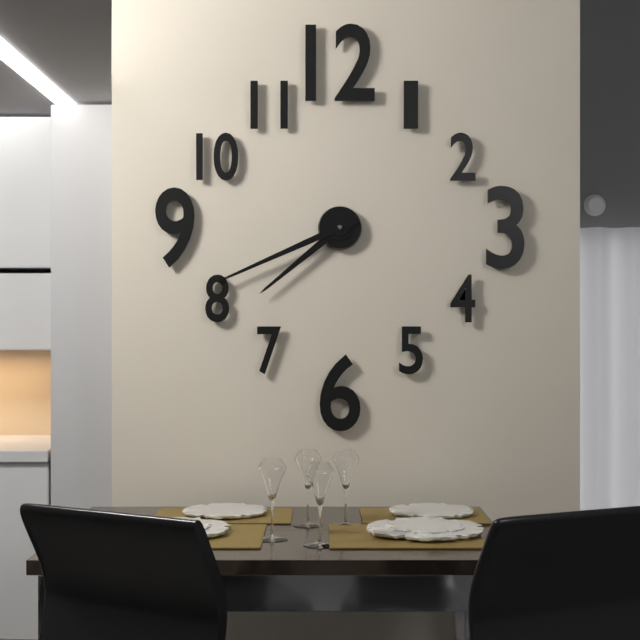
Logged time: 7:41
